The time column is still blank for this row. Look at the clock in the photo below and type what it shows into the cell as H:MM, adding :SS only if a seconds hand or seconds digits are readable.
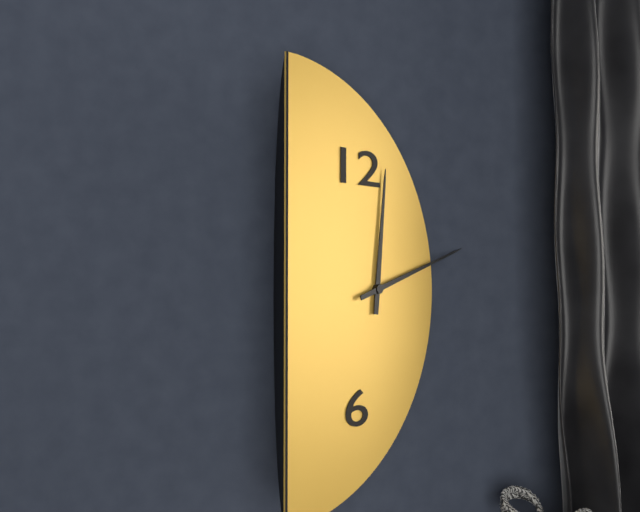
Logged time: 12:12
